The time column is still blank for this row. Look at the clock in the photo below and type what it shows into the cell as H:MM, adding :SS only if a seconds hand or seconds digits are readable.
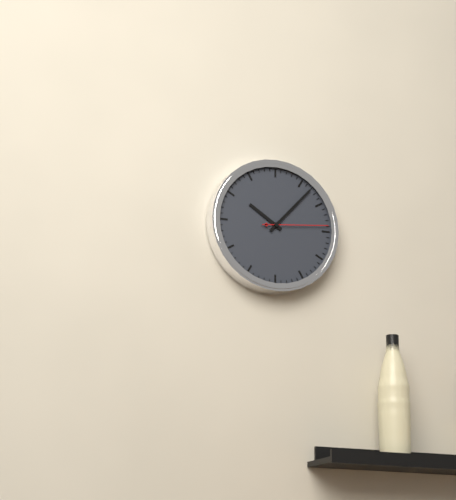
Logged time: 10:07:14
